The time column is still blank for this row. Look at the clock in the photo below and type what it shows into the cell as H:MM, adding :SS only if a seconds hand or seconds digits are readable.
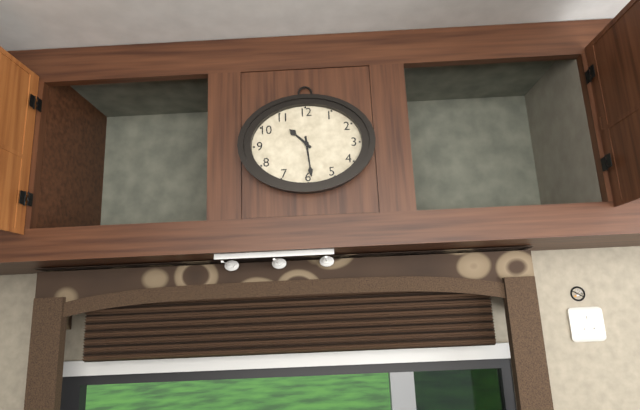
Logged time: 10:29
